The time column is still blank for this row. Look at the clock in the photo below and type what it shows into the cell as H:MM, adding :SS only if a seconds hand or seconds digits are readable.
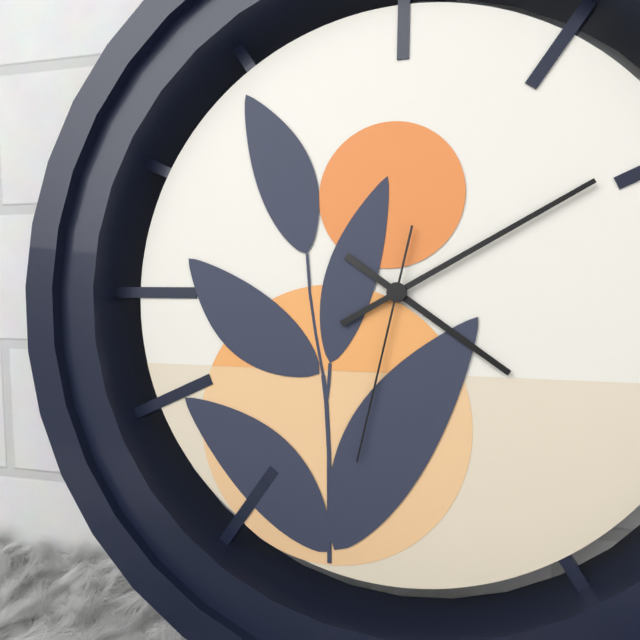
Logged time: 4:10:32
